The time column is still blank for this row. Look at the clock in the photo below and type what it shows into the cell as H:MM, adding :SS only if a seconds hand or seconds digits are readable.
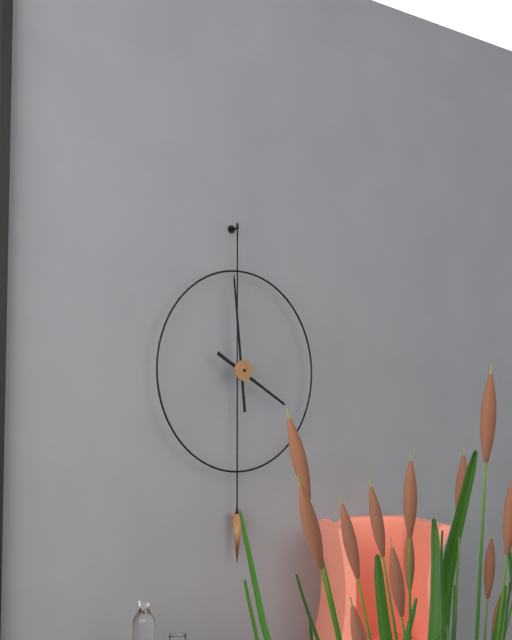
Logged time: 3:59
